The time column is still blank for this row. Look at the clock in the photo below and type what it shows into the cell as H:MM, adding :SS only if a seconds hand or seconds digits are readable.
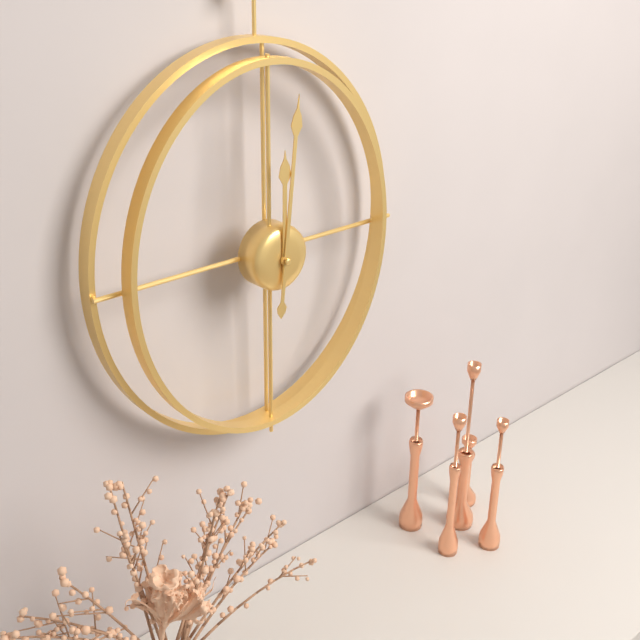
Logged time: 12:01
